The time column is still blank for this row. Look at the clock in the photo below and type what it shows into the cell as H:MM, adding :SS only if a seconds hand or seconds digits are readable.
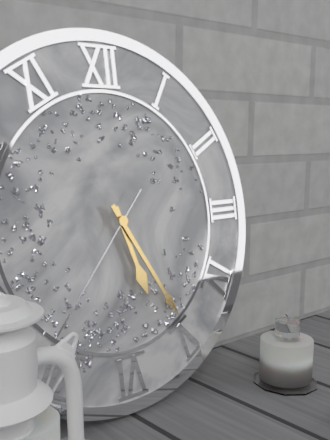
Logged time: 5:25:37
